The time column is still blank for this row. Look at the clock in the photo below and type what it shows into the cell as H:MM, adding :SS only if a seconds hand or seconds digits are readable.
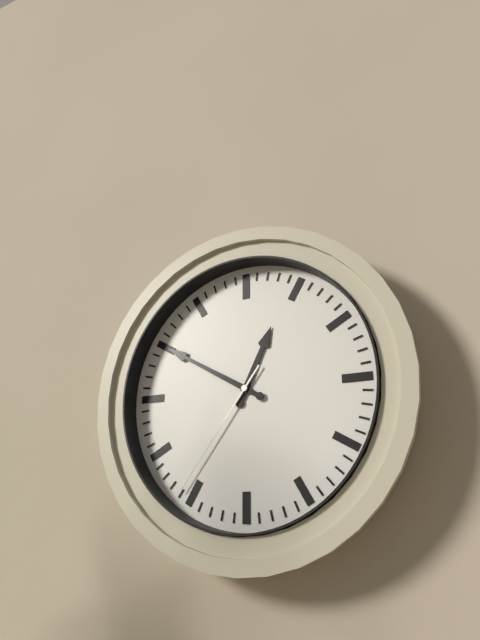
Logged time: 12:50:36
